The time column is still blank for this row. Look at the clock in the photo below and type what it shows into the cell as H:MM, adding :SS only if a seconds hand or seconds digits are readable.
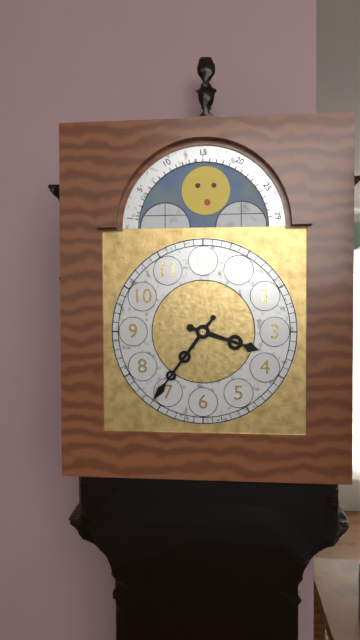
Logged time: 3:36
